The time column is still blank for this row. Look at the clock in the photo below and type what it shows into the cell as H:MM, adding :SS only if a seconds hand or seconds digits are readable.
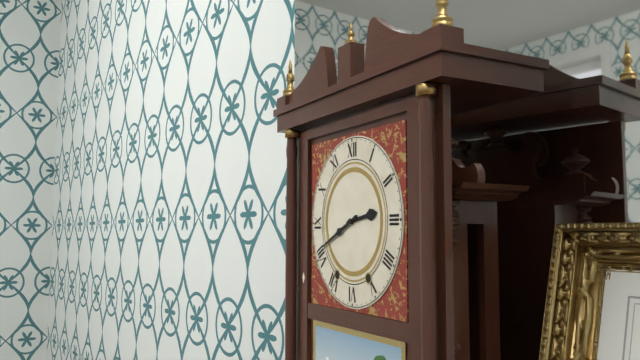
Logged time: 2:41
